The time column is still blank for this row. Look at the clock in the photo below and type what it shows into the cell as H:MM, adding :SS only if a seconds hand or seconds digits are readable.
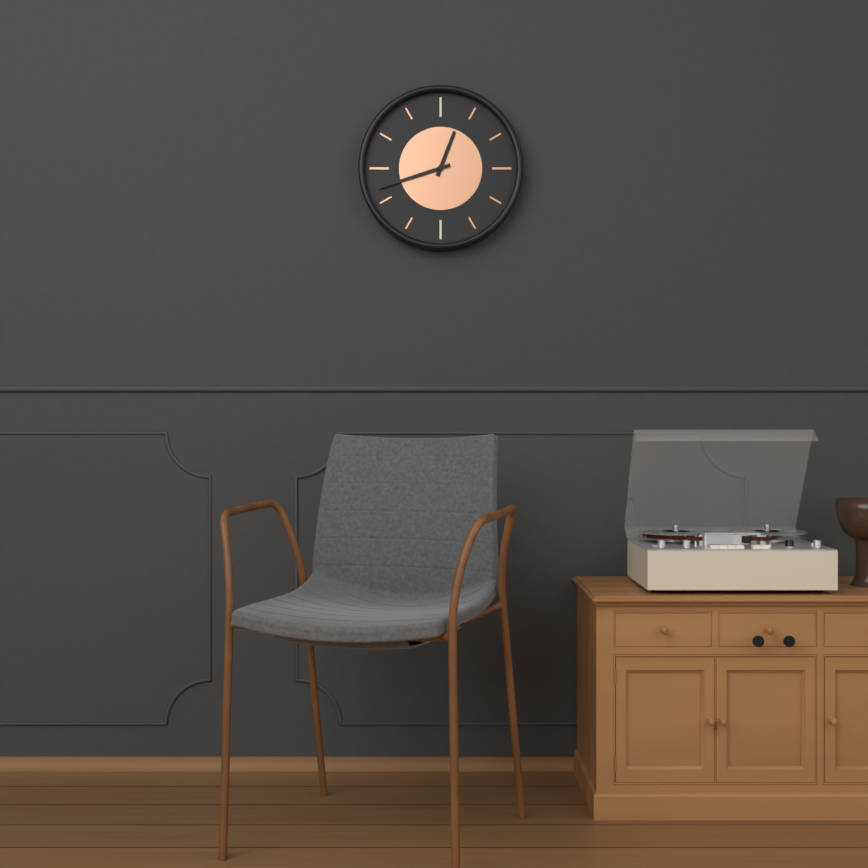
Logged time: 12:42
